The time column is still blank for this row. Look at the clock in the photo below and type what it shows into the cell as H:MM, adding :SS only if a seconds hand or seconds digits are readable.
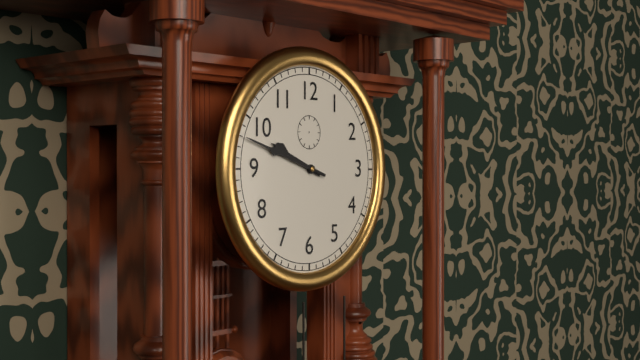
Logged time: 9:48
